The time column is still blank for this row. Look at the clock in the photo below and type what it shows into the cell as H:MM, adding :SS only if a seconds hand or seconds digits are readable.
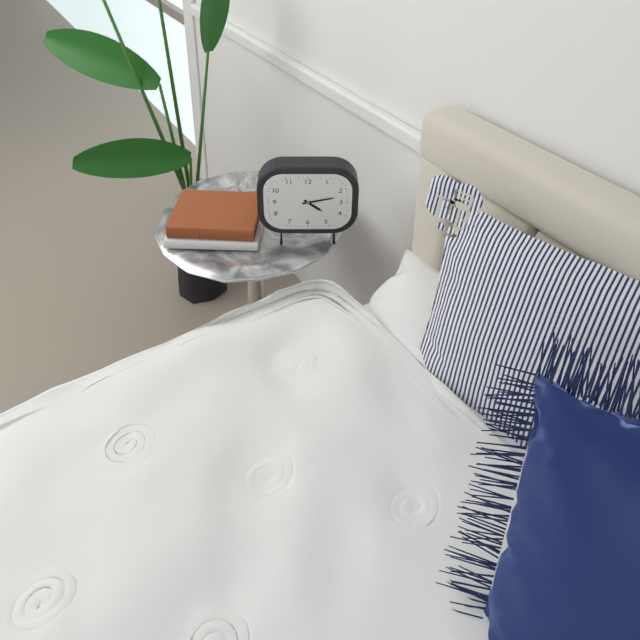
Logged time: 4:13
